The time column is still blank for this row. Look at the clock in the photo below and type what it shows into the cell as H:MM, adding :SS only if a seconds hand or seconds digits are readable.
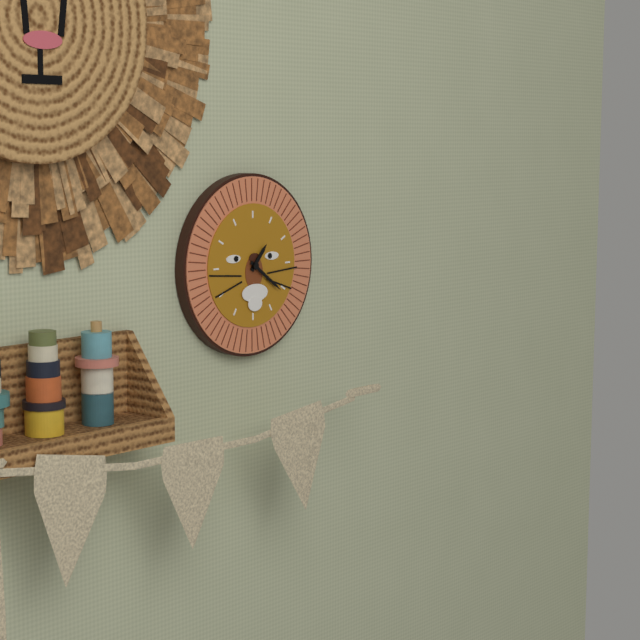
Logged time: 1:21
